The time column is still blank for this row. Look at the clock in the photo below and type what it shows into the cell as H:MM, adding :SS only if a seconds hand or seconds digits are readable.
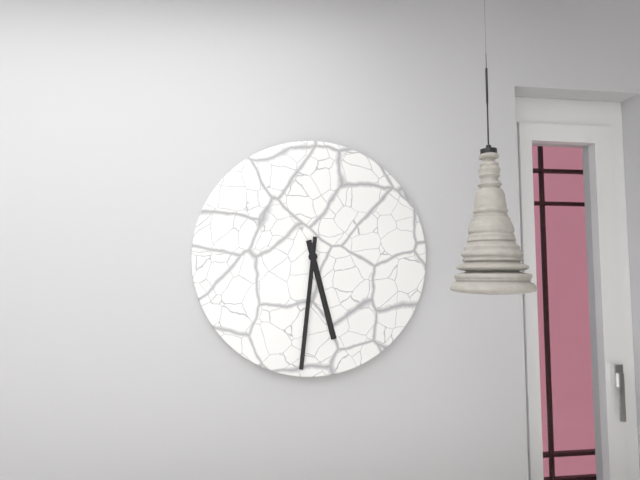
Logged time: 5:31
